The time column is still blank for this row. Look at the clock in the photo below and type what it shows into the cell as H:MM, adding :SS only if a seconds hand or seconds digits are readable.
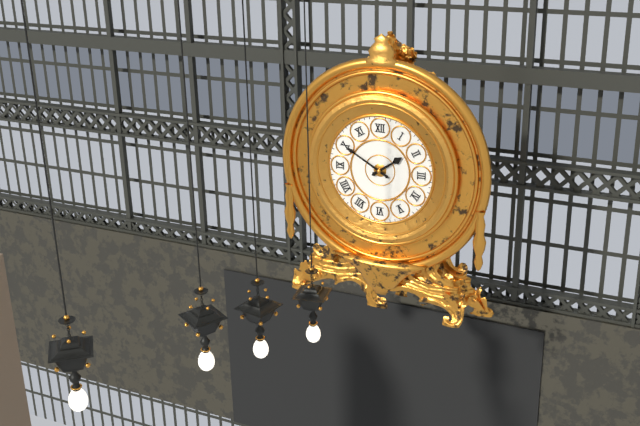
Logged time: 1:50
